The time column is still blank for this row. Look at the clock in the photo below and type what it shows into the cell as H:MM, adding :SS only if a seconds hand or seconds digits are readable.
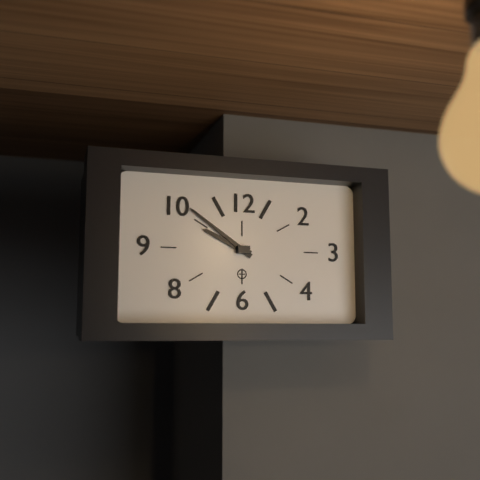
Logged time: 9:51
